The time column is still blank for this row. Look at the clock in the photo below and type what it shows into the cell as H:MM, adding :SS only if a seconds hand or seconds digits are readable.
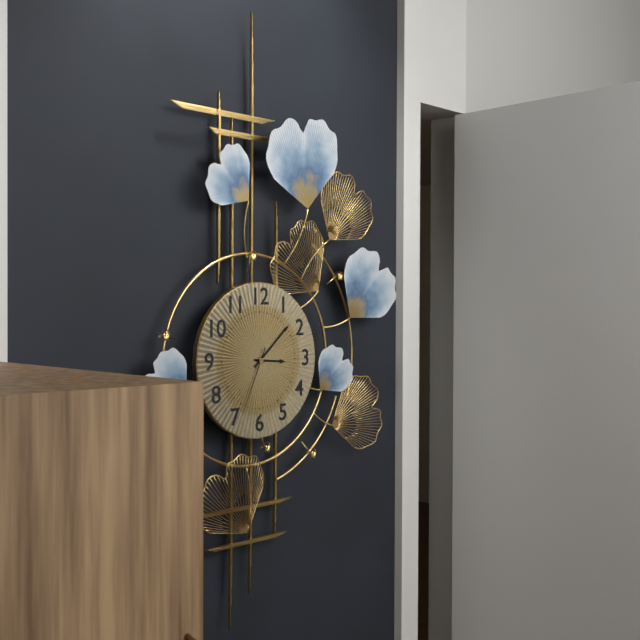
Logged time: 3:08:34
